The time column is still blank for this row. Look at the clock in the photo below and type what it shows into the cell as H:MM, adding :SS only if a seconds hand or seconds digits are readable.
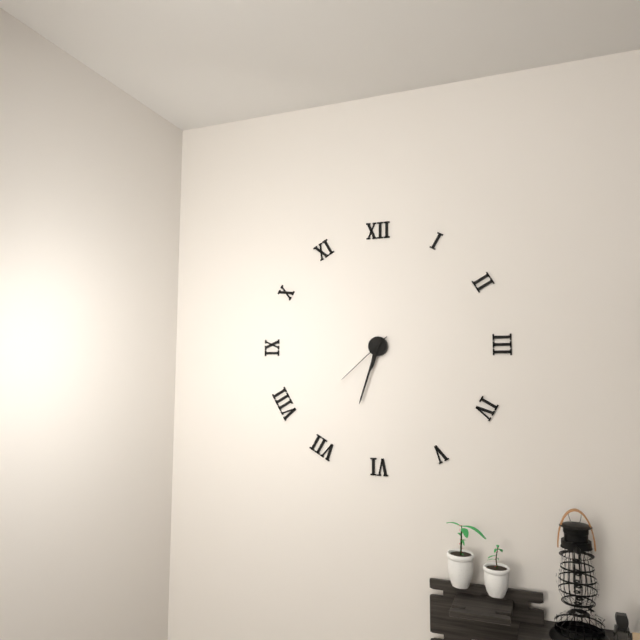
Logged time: 6:33:38
